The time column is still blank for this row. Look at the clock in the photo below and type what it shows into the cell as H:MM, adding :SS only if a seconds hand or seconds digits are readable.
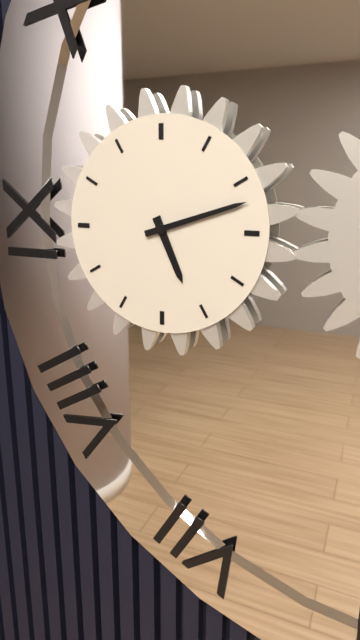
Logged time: 5:12
